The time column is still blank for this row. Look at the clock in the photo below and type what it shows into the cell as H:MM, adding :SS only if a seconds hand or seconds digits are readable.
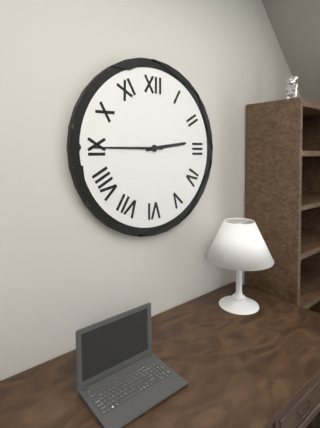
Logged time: 2:45
